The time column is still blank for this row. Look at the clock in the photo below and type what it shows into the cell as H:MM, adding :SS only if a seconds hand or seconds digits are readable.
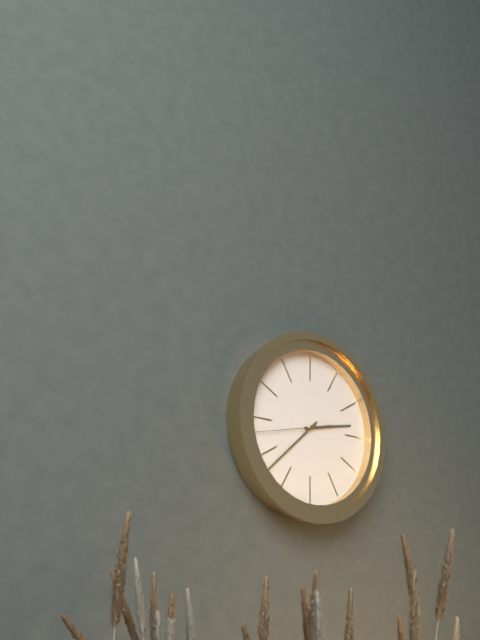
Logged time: 2:38:43
